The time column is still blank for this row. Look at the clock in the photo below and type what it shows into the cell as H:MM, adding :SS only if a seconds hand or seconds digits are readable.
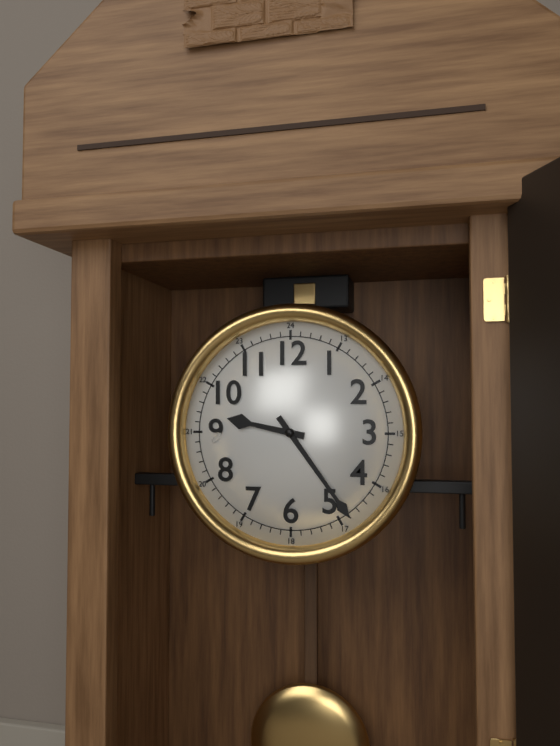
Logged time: 9:24
